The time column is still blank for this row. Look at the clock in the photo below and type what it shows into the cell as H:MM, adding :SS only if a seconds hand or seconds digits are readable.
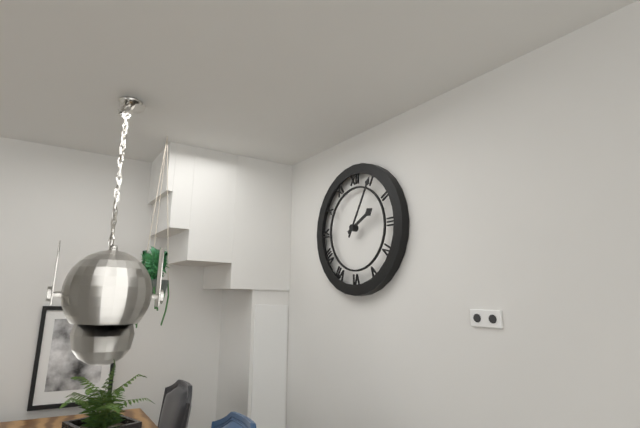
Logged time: 2:05
